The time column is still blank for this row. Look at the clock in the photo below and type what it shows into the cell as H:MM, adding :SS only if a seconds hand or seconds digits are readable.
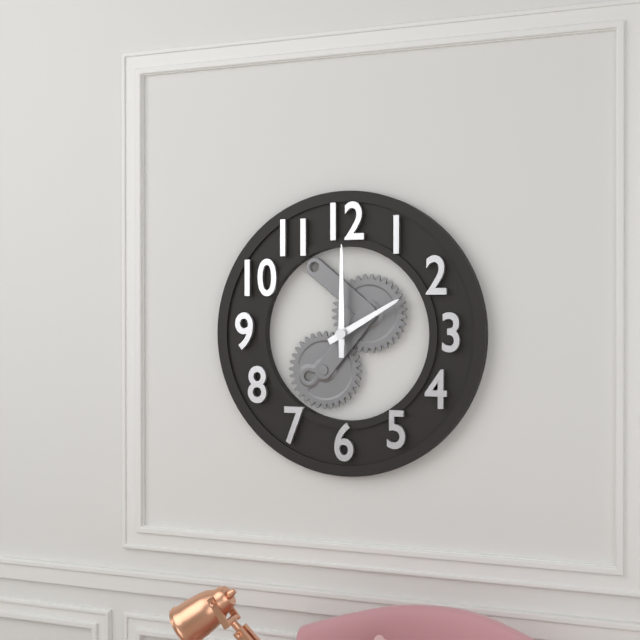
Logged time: 2:00
